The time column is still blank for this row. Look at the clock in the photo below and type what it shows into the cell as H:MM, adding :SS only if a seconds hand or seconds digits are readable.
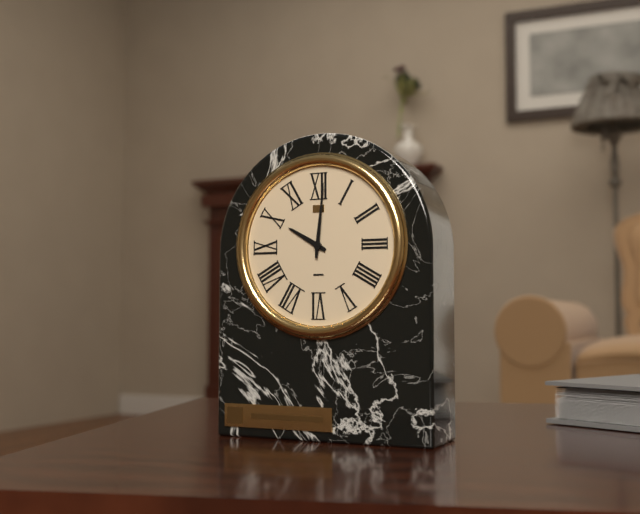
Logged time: 10:01
